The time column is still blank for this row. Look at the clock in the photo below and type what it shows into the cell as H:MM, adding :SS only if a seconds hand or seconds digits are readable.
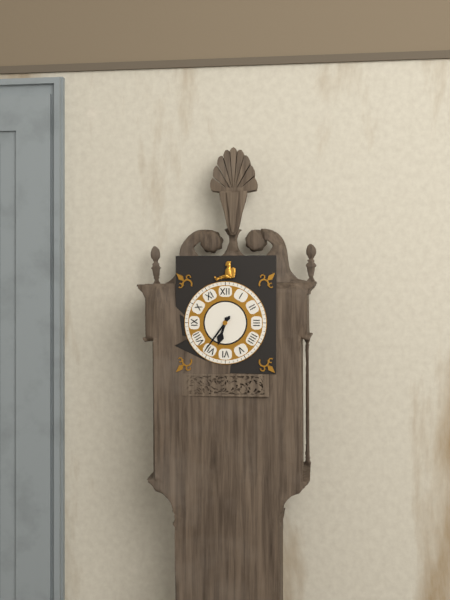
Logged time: 6:36
